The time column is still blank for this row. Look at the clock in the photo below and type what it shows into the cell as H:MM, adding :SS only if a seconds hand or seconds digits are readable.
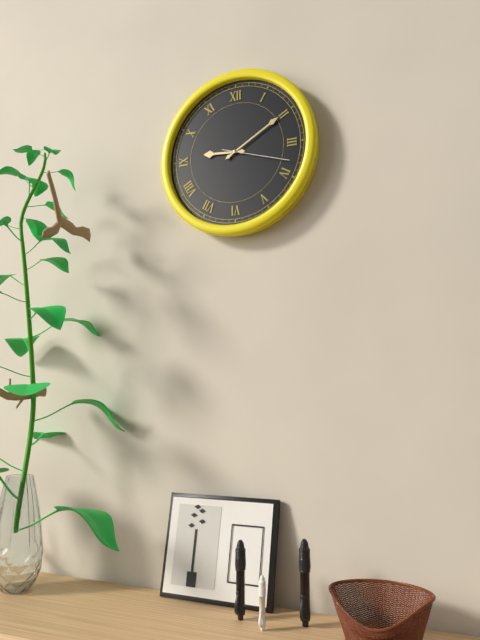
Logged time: 9:10:18
